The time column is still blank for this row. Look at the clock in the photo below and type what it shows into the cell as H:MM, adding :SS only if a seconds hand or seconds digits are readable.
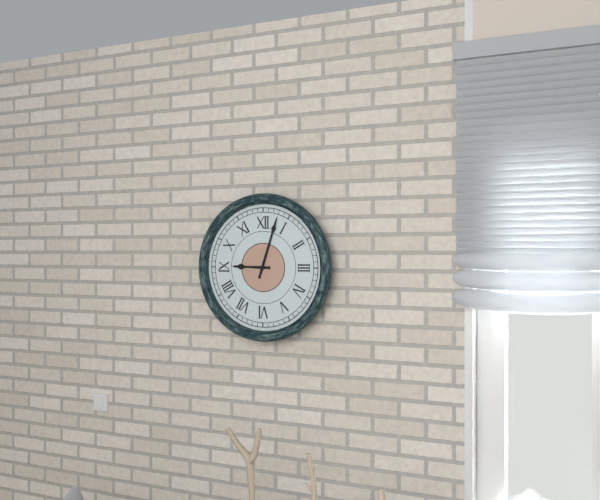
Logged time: 9:03
